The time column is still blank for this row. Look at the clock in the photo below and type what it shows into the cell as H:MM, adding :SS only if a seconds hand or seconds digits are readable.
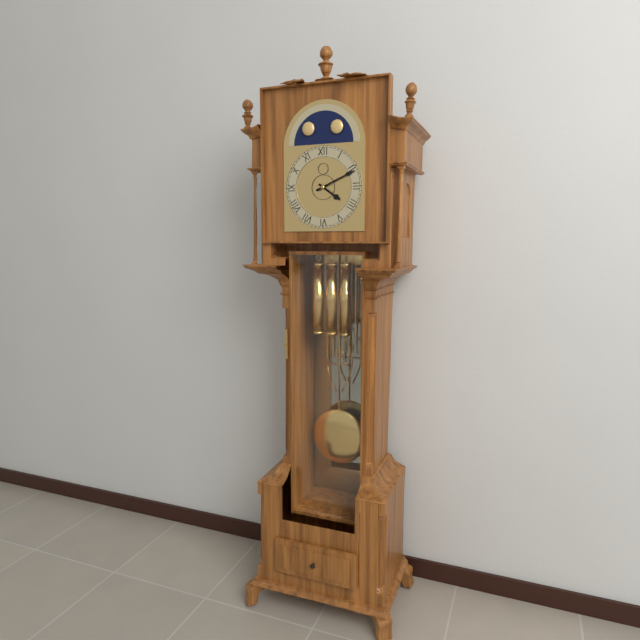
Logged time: 4:11
